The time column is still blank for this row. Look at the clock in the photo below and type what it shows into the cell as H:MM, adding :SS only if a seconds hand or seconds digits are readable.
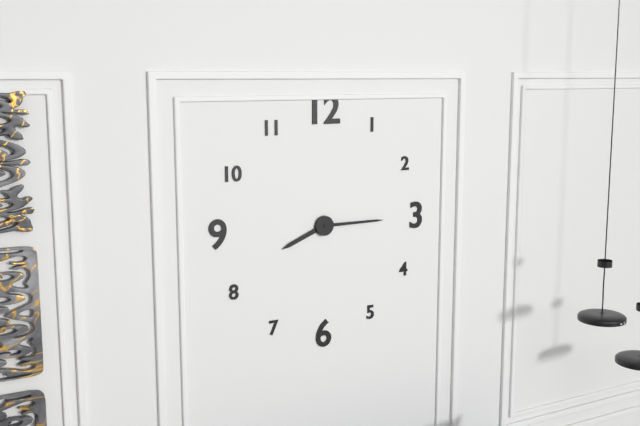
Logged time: 8:15
